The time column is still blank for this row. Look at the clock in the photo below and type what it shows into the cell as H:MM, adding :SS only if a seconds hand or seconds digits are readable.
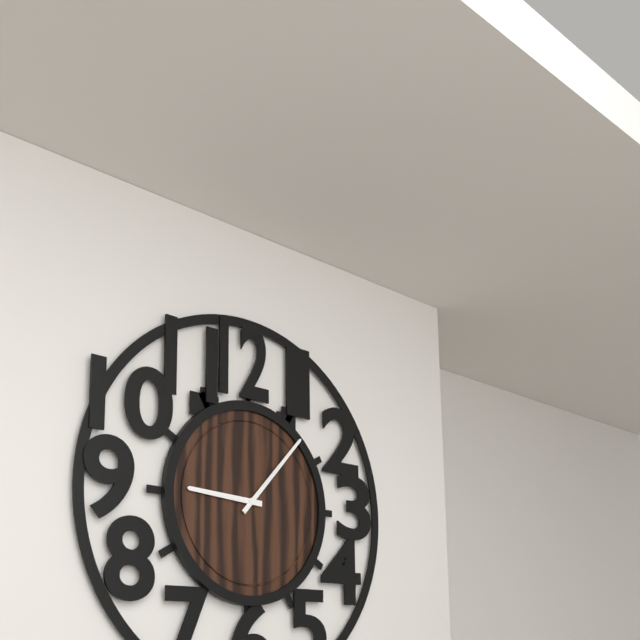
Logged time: 9:07:07
